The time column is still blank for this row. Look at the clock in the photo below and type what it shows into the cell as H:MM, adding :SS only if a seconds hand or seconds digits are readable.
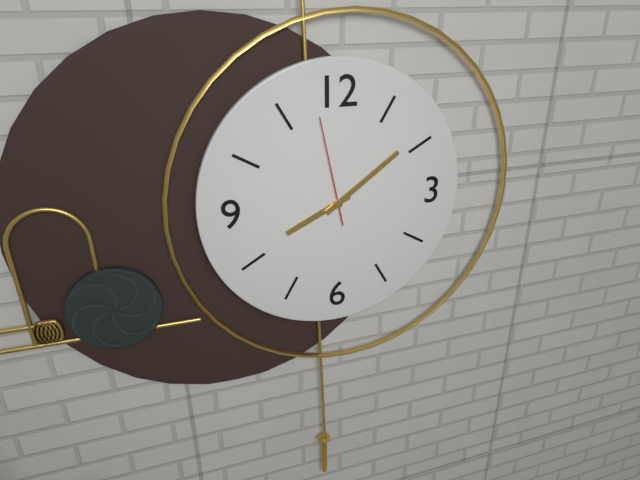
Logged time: 8:09:58
